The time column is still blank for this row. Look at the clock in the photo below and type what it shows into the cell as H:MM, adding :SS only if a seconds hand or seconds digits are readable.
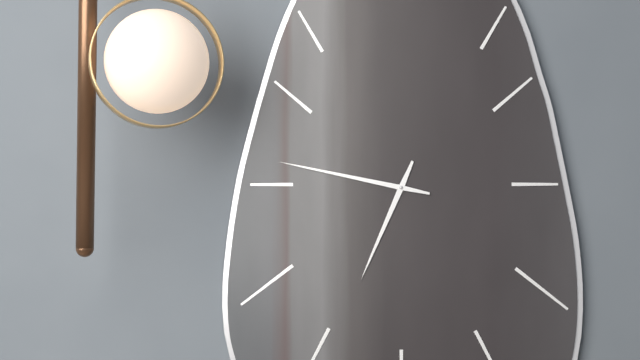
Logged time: 6:47
